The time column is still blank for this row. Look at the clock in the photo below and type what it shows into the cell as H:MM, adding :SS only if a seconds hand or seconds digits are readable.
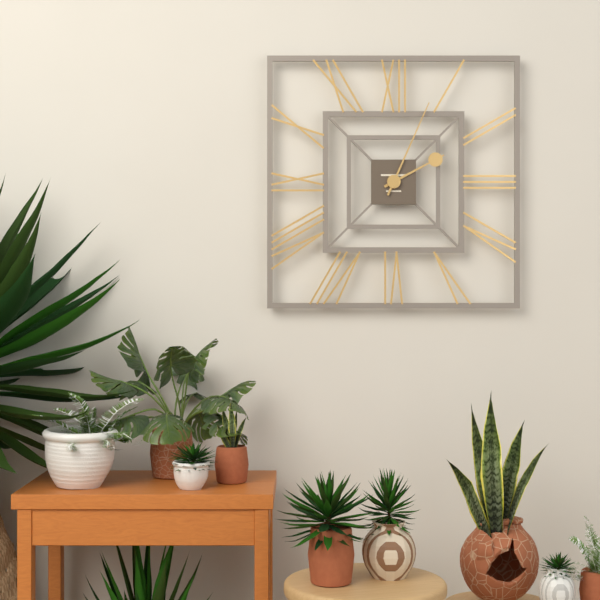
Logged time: 2:04
